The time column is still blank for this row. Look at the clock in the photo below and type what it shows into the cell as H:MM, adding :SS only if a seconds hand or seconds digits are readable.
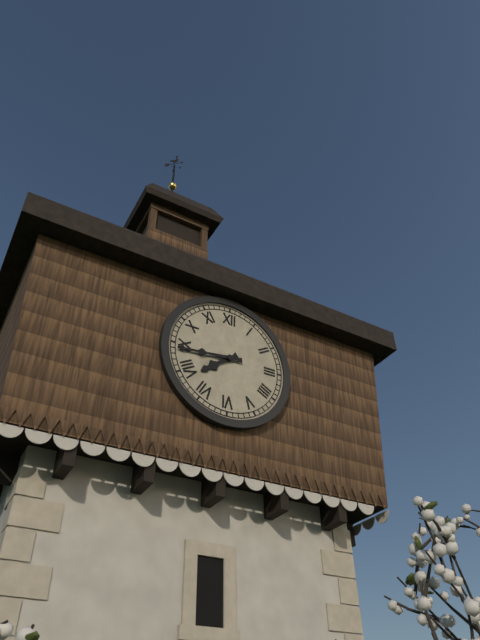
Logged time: 7:44
